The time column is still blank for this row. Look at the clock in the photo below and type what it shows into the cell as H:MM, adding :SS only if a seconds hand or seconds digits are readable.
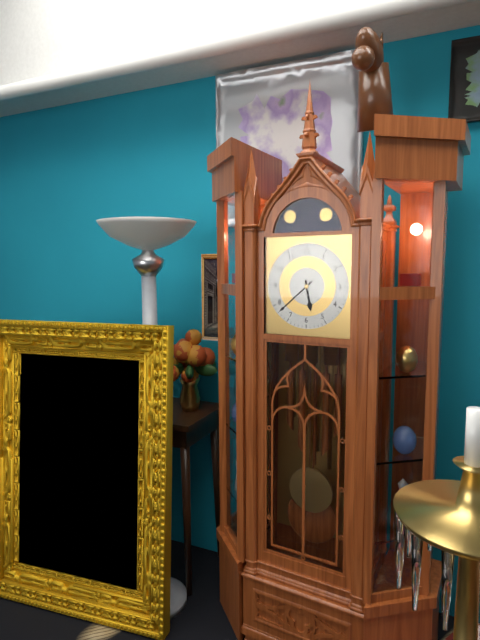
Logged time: 5:38
